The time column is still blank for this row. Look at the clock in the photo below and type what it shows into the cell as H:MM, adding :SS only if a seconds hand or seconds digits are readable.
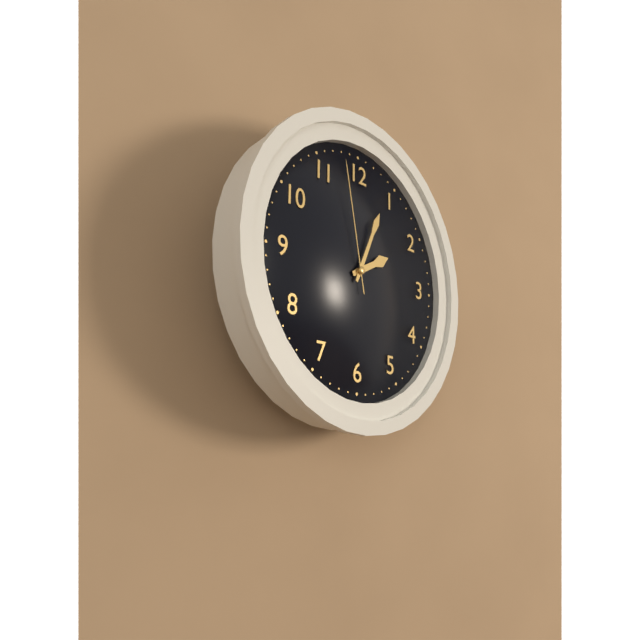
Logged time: 2:04:58
